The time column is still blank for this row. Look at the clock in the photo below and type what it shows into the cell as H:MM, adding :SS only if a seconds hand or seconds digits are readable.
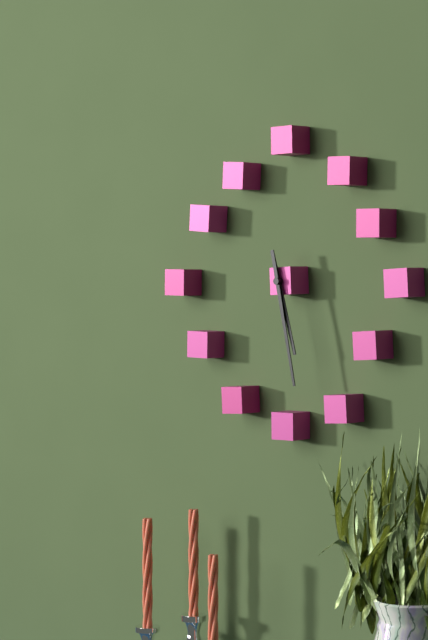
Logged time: 5:28
